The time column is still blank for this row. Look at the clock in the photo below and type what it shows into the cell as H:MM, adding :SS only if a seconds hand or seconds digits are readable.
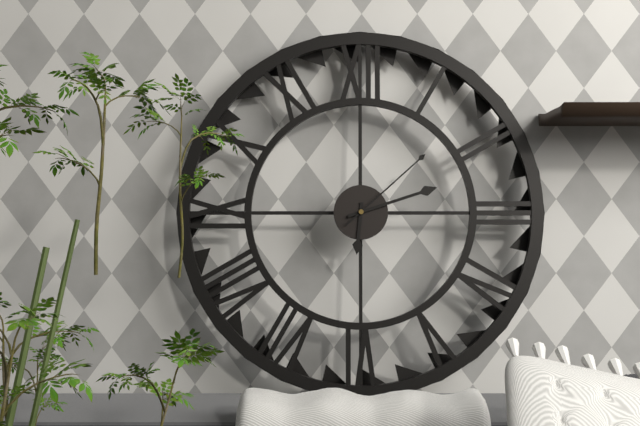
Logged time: 6:12:08
